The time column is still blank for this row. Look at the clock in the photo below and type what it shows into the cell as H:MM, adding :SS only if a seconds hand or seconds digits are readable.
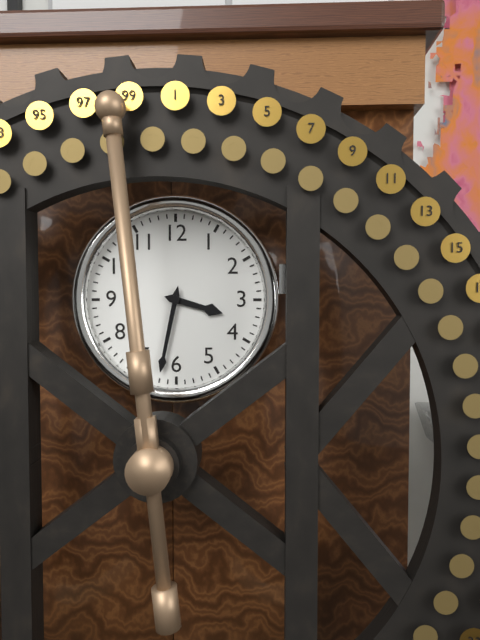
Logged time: 3:32
